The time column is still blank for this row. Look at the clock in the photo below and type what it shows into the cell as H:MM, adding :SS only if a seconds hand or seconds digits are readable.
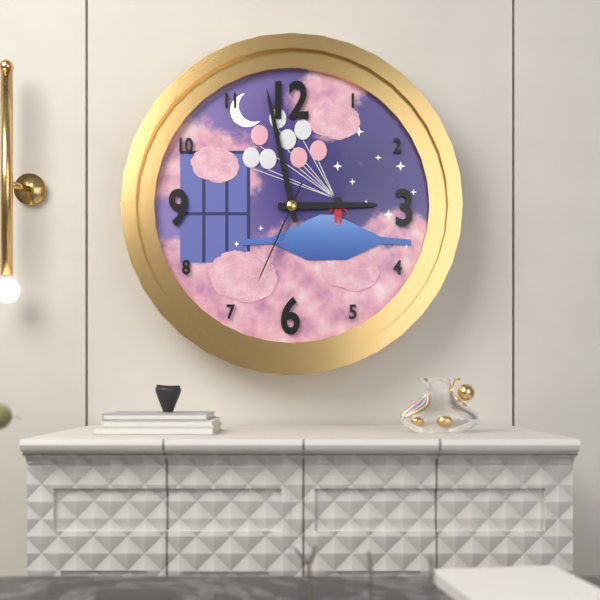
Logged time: 2:58:34
